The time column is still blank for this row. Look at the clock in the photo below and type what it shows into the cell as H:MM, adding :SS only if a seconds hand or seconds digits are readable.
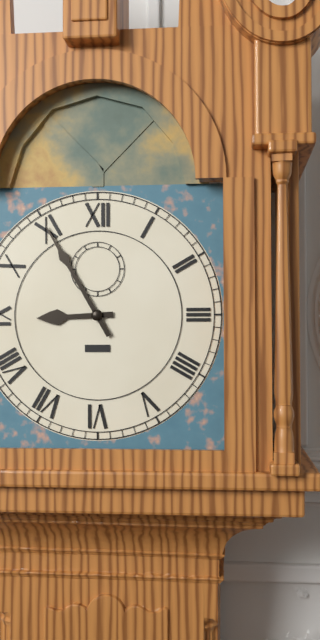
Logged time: 8:55
